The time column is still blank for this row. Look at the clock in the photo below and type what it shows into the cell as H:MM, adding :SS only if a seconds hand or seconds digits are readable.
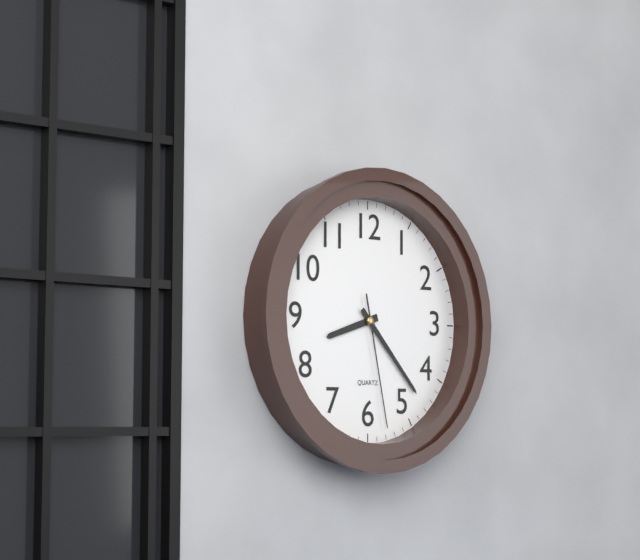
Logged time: 8:23:28
